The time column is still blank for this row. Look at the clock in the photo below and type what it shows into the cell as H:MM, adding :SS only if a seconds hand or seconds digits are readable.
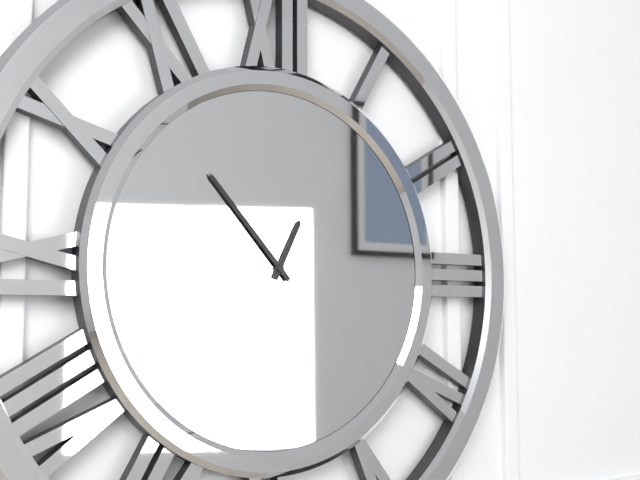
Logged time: 12:53
